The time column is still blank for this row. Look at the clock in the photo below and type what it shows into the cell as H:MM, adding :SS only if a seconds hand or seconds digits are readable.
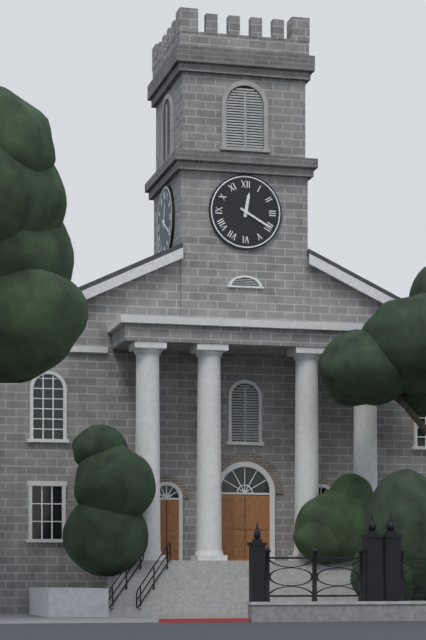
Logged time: 12:20
